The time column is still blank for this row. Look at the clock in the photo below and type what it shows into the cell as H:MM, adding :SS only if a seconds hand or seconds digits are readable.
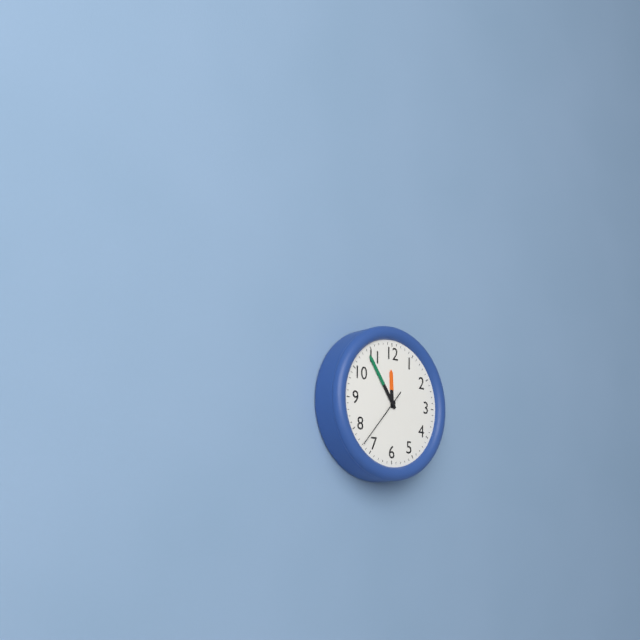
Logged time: 11:54:37
